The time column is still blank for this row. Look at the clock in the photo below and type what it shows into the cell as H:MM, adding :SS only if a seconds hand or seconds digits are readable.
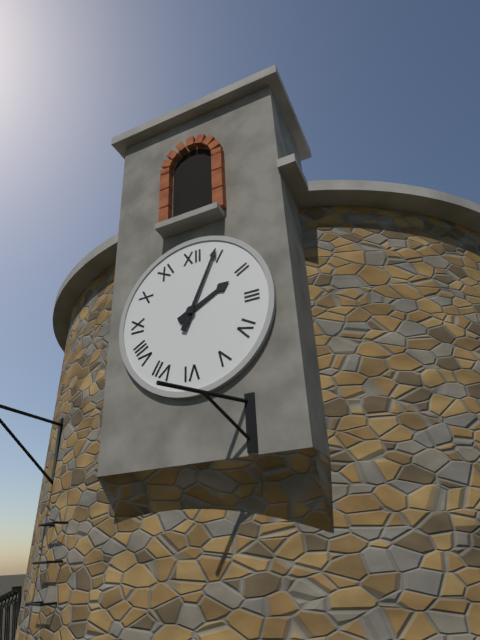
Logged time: 2:04
